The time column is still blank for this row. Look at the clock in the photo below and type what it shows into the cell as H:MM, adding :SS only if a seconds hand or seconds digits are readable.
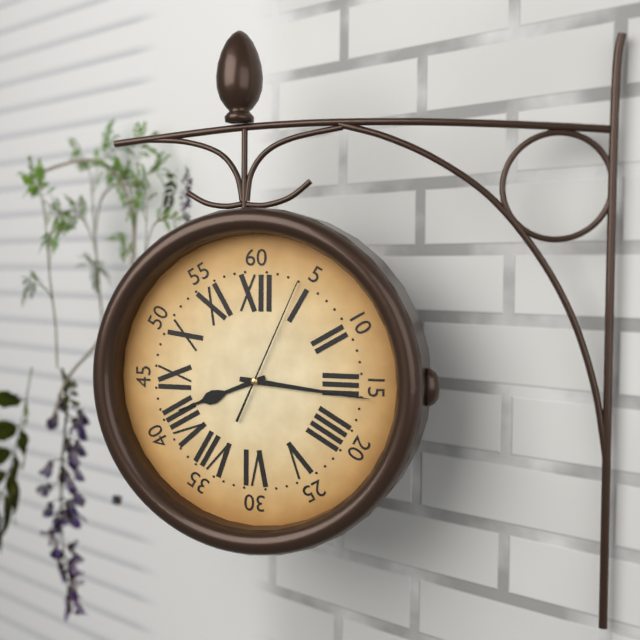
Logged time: 8:16:04
